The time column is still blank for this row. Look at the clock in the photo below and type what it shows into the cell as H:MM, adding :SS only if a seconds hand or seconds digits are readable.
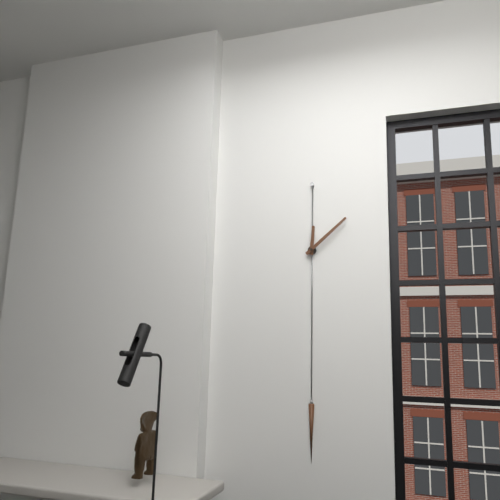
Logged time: 12:08
